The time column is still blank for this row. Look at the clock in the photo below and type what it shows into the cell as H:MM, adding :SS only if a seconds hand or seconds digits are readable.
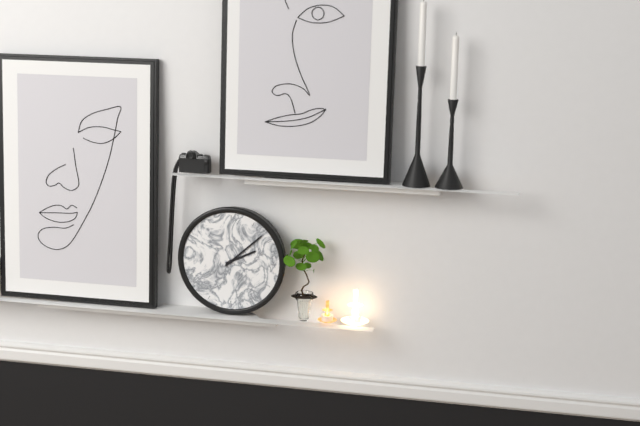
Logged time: 2:08
